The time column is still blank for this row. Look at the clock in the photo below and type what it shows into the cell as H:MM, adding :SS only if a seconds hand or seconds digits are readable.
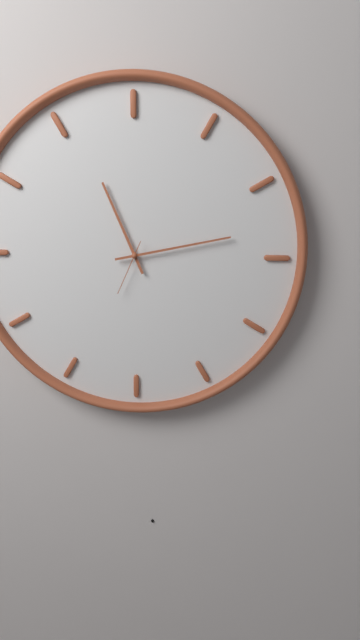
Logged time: 11:13:34
